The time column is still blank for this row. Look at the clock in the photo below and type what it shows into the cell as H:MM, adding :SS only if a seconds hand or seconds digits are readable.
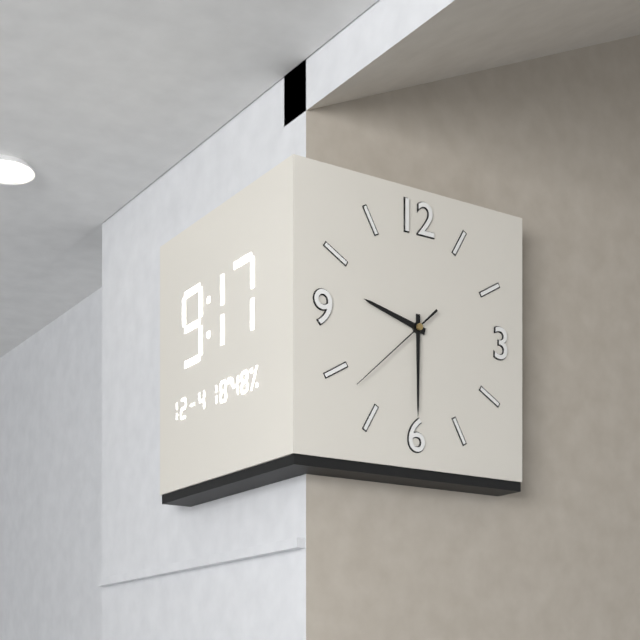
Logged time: 9:30:38
